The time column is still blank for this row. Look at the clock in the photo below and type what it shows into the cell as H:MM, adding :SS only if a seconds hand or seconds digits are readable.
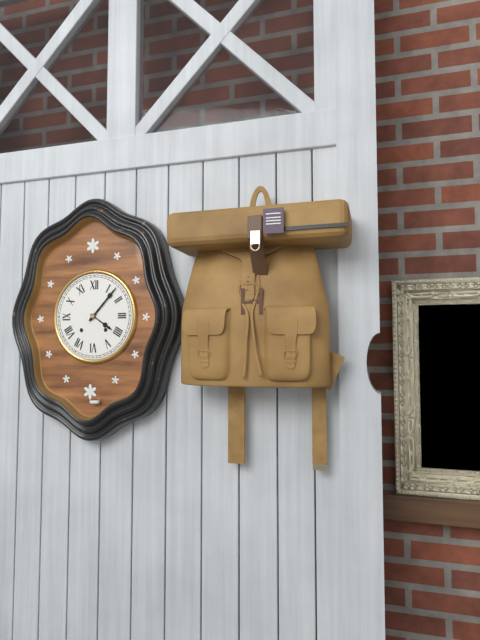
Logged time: 4:07
